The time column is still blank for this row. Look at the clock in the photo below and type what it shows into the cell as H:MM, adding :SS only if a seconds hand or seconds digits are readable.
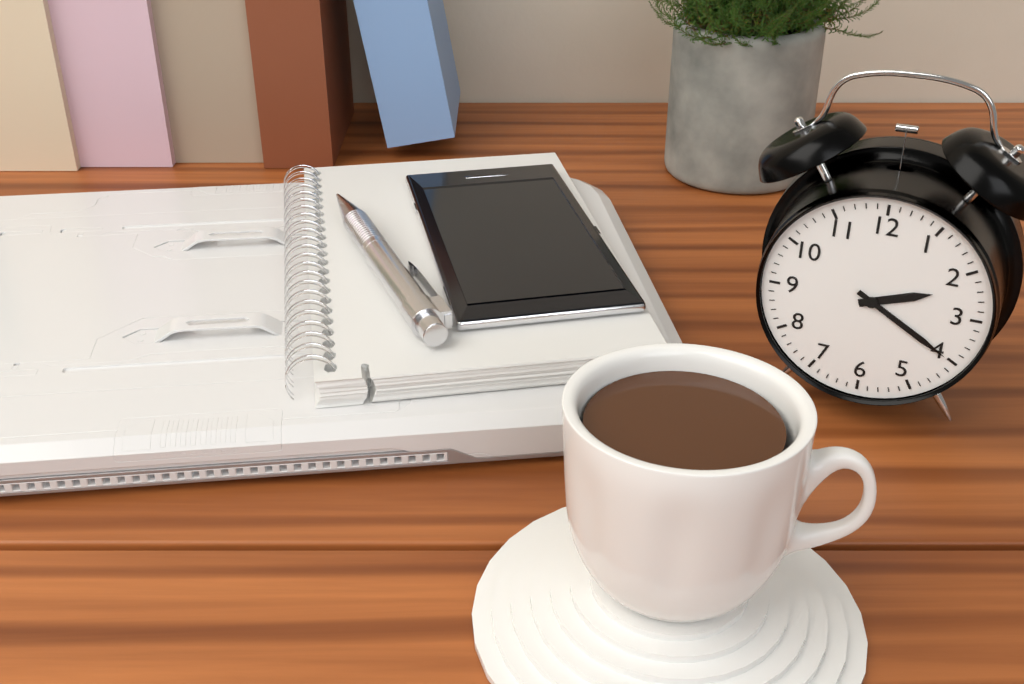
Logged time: 2:20
